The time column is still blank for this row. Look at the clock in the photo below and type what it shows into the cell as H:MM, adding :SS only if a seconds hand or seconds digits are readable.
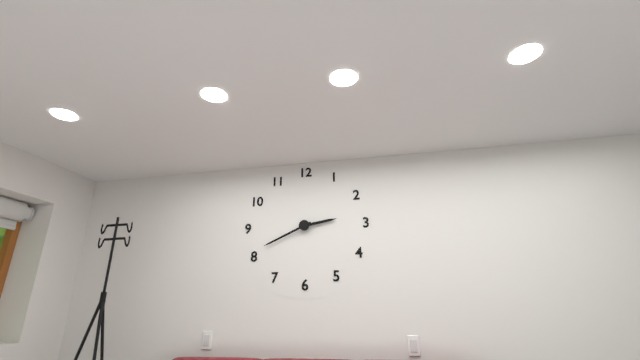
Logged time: 2:41
